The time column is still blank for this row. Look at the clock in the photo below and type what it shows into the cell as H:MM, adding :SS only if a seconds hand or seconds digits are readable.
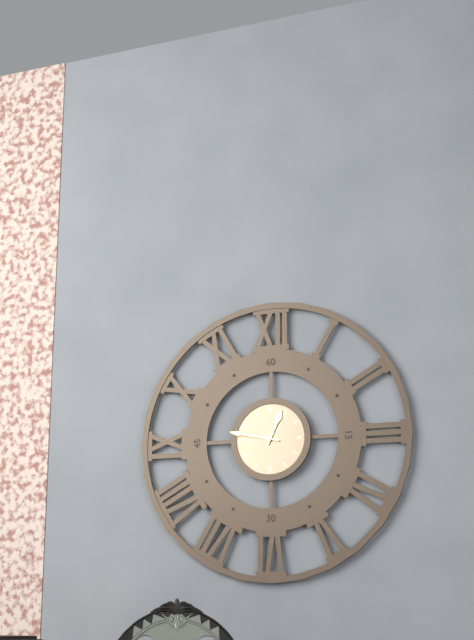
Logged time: 12:47
